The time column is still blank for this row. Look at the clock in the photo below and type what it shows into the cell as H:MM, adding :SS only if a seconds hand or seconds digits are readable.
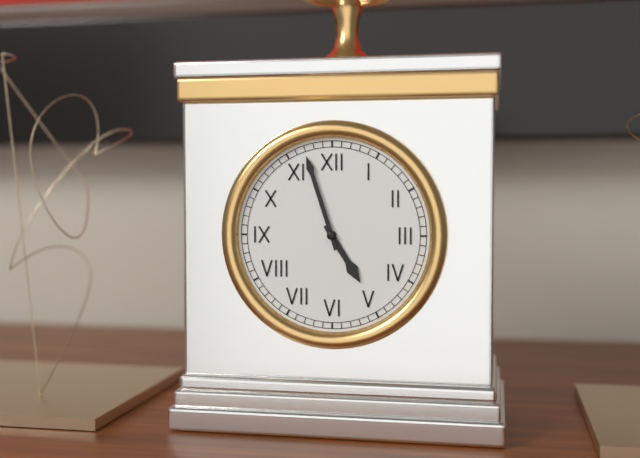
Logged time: 4:57
